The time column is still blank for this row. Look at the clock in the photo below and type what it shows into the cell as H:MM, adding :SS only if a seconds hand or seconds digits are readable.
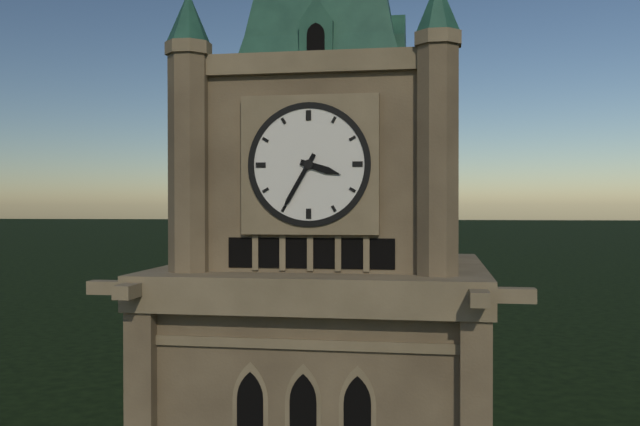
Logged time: 3:35
